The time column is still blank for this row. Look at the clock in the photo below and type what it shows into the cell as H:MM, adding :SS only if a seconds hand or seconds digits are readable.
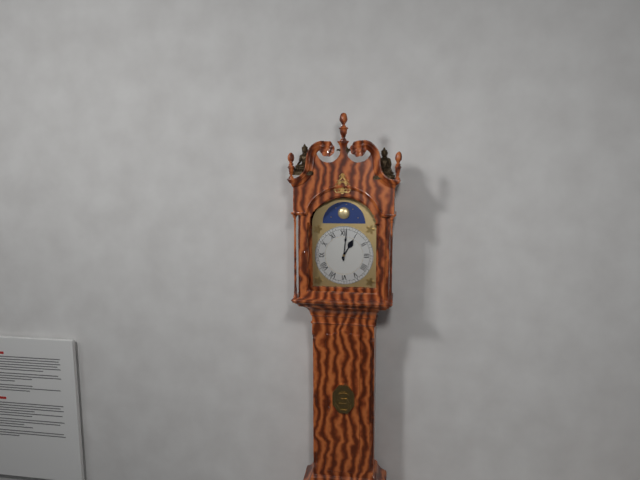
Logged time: 1:01
